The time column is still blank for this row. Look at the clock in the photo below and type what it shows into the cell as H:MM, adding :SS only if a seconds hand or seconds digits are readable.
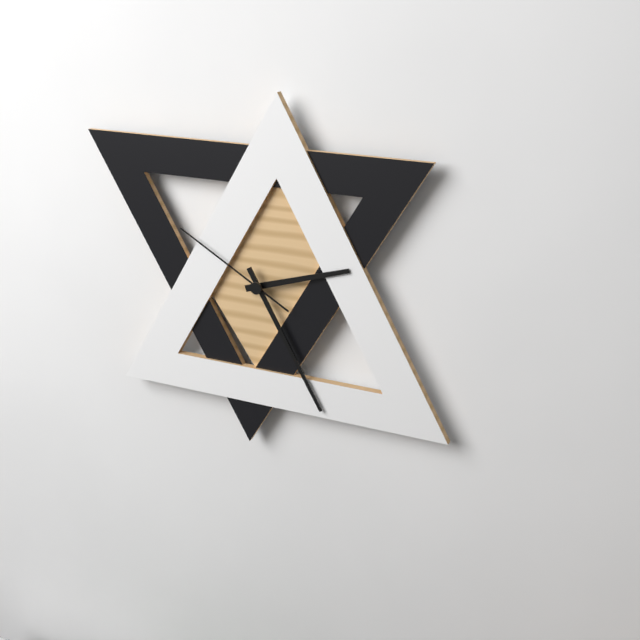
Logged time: 2:25:50
